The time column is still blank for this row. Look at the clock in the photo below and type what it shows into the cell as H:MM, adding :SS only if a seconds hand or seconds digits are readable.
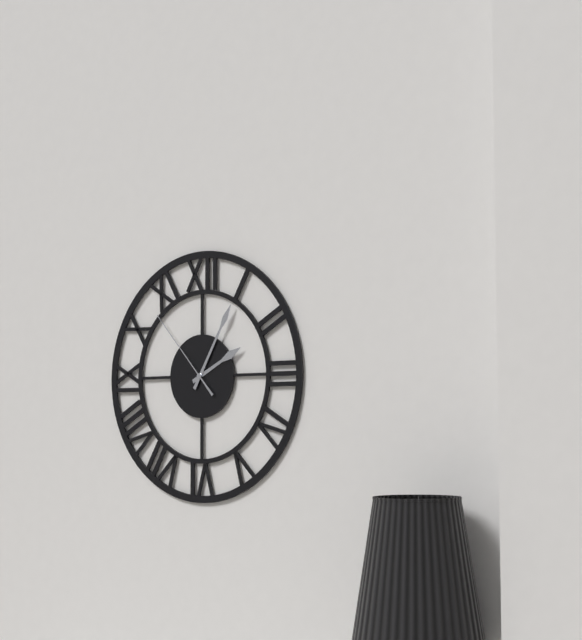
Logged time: 2:05:53
